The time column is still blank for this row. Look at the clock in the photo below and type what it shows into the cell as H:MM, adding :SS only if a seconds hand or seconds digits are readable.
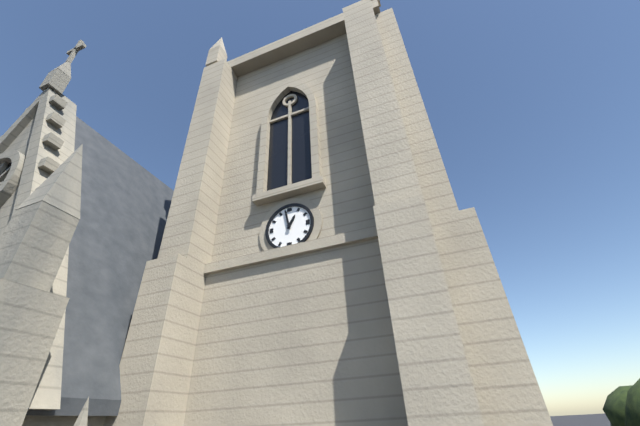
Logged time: 12:58
